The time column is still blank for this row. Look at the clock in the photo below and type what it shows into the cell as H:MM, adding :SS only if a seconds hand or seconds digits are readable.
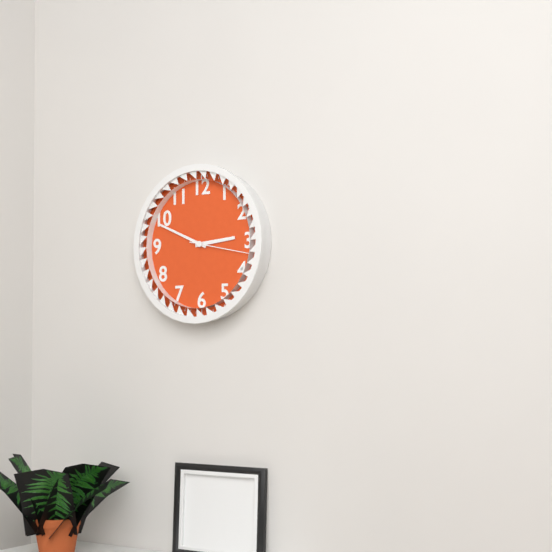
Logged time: 2:49:17
